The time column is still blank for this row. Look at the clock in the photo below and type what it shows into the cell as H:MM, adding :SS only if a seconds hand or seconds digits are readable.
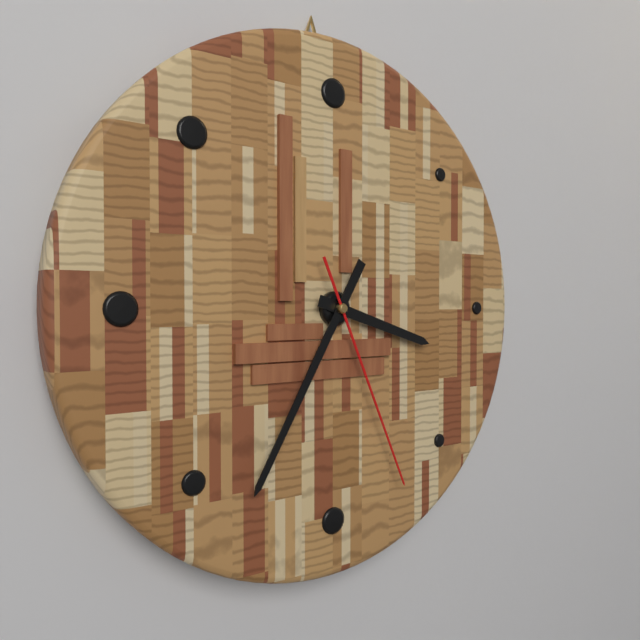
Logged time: 3:35:26
